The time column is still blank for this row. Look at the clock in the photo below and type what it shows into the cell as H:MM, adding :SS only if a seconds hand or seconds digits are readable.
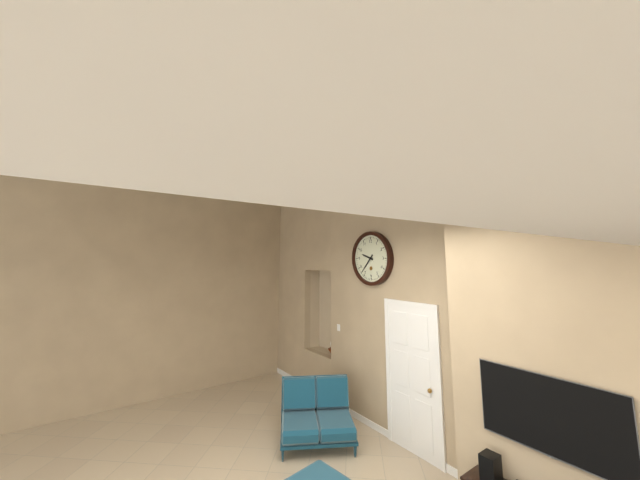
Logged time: 9:37
